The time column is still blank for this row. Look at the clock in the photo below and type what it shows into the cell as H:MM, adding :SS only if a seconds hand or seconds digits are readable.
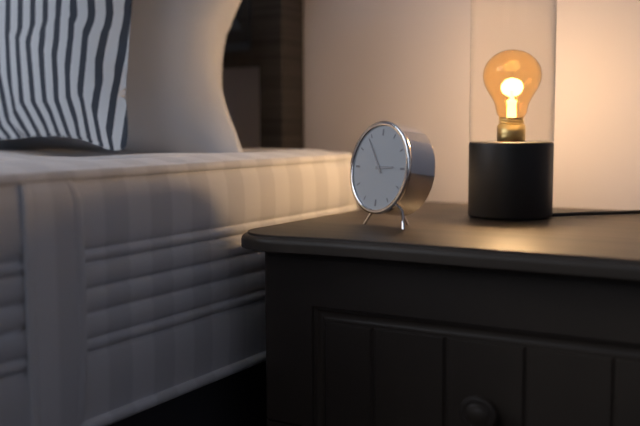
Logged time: 2:54
